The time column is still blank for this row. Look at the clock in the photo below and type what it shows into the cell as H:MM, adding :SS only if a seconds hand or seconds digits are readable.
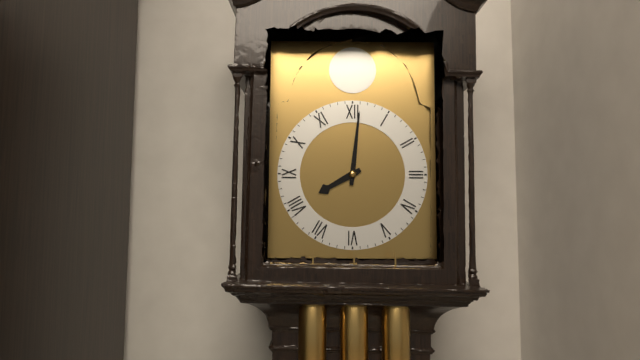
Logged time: 8:01
